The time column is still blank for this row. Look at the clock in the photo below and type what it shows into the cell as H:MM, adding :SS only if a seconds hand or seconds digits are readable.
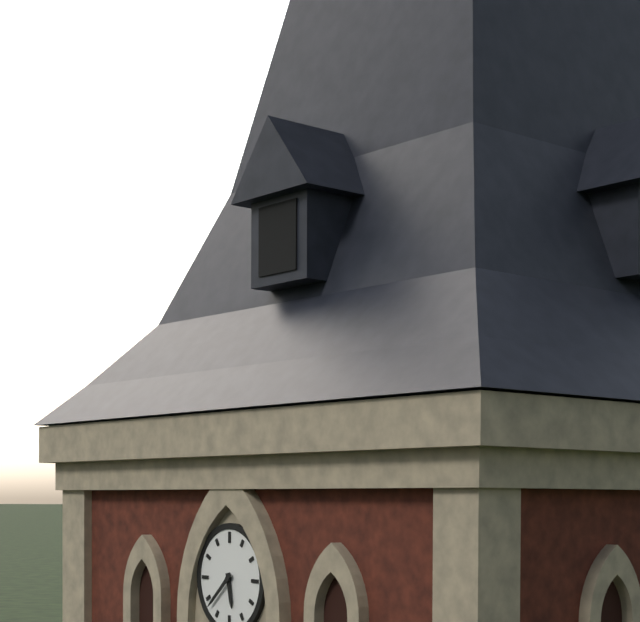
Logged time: 5:38
